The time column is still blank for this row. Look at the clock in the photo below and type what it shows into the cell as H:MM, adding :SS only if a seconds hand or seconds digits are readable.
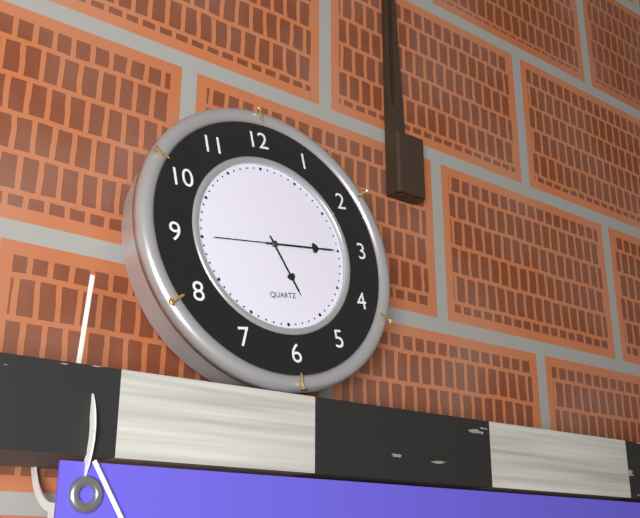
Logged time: 5:15:45
